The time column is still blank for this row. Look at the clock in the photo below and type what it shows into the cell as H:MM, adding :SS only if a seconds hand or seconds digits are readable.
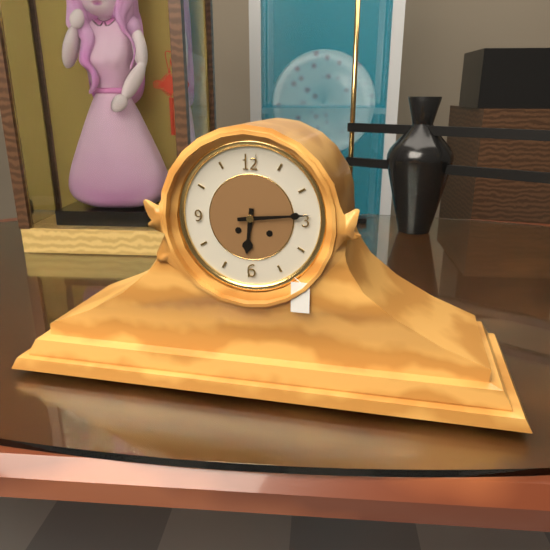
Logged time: 6:14
